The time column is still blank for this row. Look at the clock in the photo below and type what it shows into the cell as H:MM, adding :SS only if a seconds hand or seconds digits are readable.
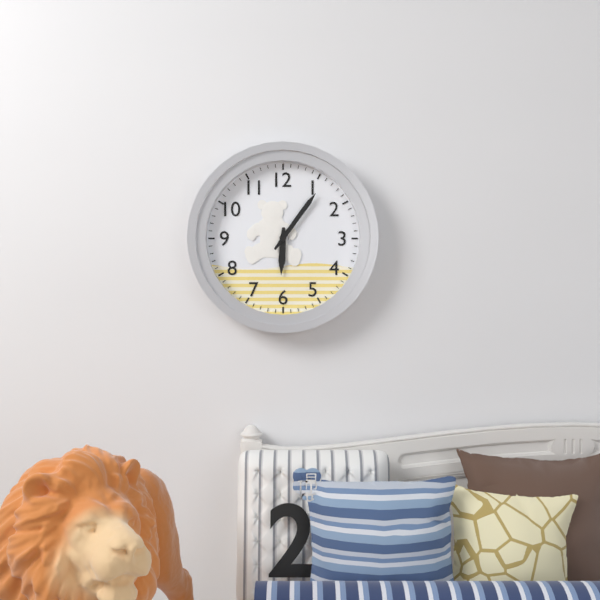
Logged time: 6:06
